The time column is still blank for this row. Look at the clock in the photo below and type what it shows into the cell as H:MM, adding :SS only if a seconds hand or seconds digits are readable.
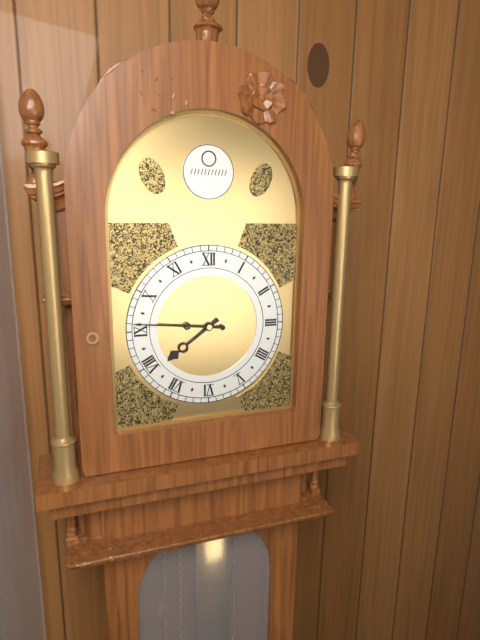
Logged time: 7:46
